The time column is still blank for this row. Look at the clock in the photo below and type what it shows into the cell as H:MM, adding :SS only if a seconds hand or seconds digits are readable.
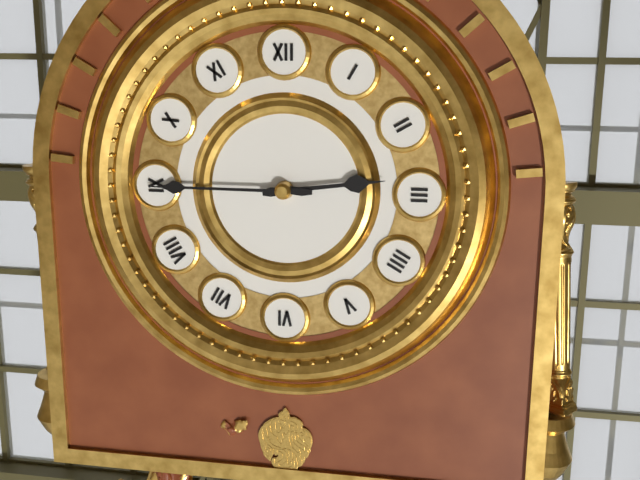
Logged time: 2:45
